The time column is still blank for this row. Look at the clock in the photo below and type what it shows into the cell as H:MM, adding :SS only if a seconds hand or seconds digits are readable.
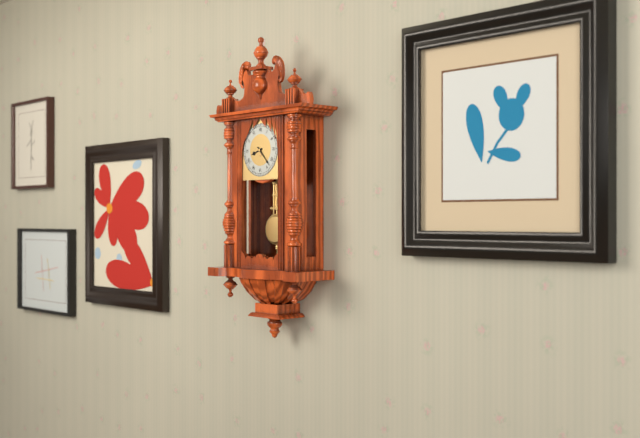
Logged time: 8:23
